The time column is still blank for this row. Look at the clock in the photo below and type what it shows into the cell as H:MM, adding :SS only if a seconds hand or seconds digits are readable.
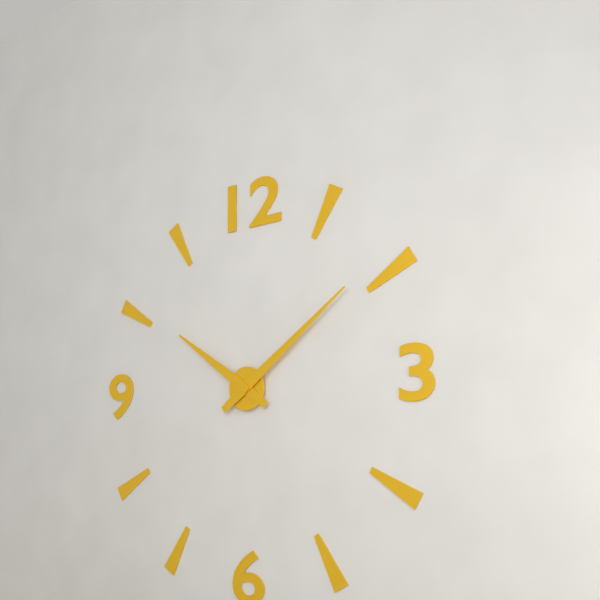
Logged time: 10:09
